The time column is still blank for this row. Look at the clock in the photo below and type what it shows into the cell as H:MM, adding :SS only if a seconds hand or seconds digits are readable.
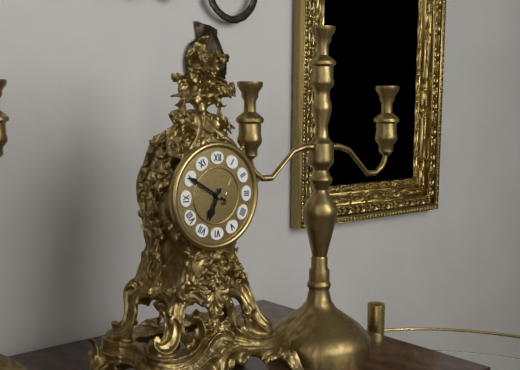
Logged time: 6:50
